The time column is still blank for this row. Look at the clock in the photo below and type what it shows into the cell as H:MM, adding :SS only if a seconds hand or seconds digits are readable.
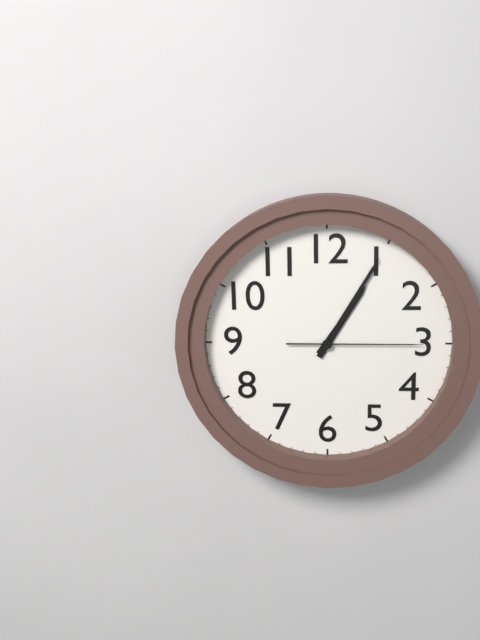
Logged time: 1:05:15
